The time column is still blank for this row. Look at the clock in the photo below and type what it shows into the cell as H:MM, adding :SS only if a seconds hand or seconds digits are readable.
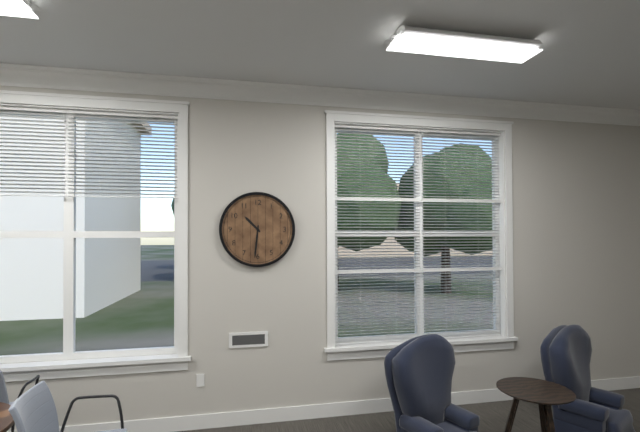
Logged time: 10:31
